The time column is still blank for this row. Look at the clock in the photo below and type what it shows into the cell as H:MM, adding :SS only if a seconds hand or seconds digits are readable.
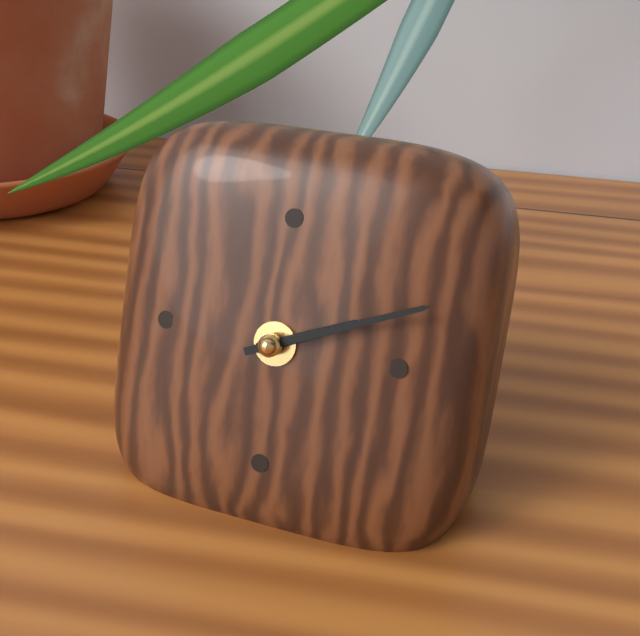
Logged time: 2:11
